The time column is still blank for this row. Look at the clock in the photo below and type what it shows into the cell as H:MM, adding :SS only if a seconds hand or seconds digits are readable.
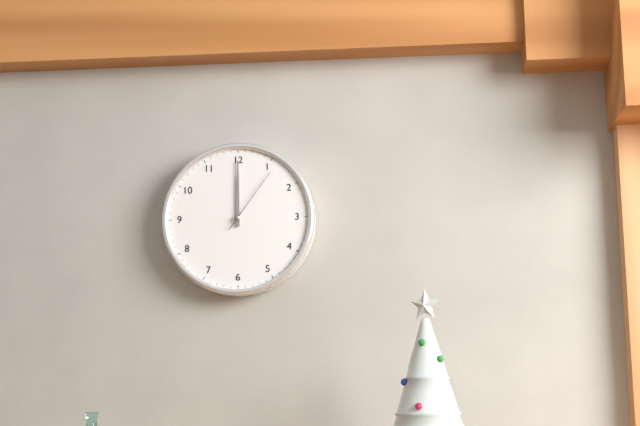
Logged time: 12:00:06
